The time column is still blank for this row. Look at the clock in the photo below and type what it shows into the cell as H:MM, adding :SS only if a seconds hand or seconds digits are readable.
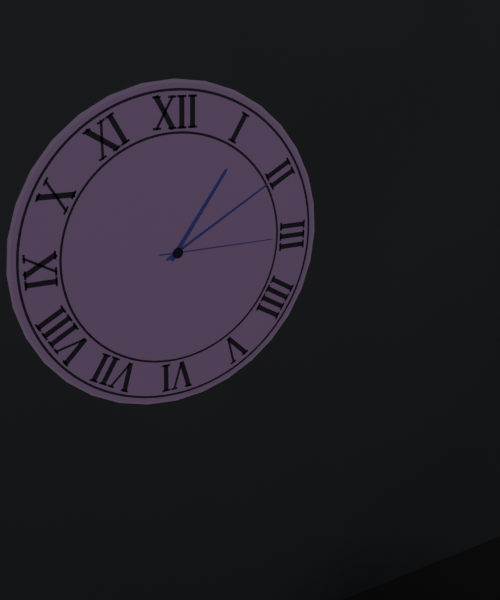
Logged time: 1:10:15
